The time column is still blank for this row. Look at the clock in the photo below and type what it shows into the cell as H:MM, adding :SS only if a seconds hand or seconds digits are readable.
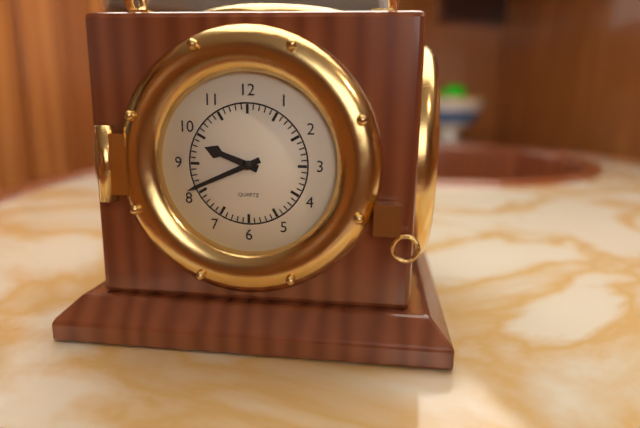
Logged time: 9:41
